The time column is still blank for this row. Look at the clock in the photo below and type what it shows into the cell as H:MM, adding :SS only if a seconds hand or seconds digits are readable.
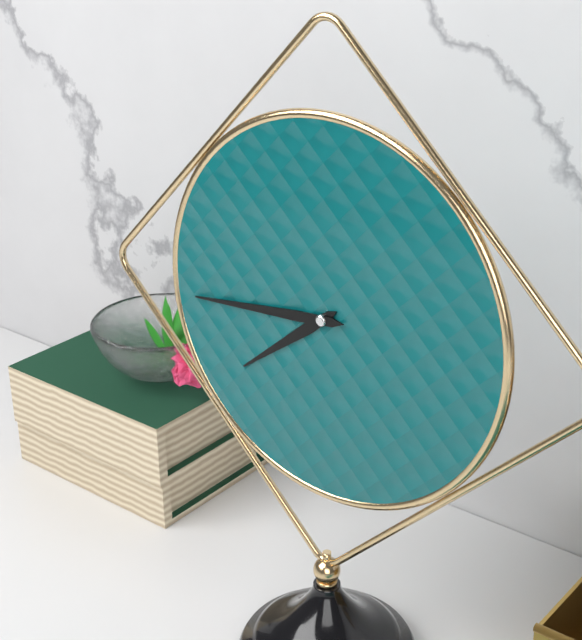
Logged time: 7:44
